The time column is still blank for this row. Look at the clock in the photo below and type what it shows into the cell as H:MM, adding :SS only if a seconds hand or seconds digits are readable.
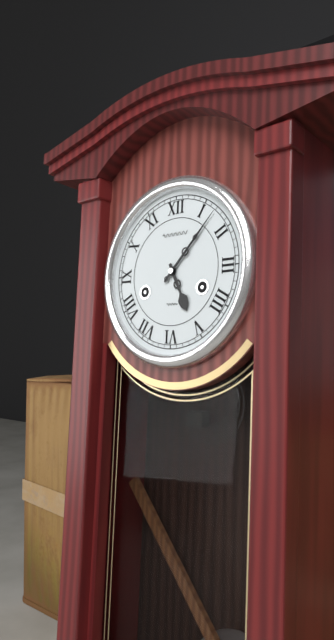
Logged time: 5:07
